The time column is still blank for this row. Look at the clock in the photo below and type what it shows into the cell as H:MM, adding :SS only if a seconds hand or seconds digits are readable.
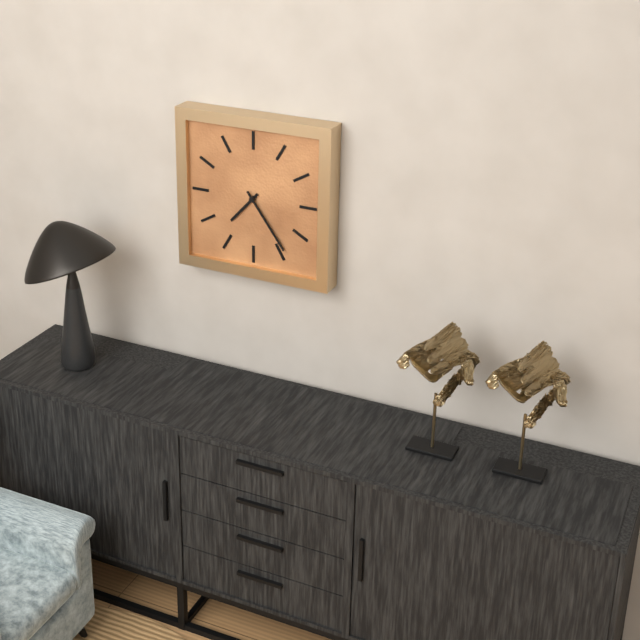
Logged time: 7:24
